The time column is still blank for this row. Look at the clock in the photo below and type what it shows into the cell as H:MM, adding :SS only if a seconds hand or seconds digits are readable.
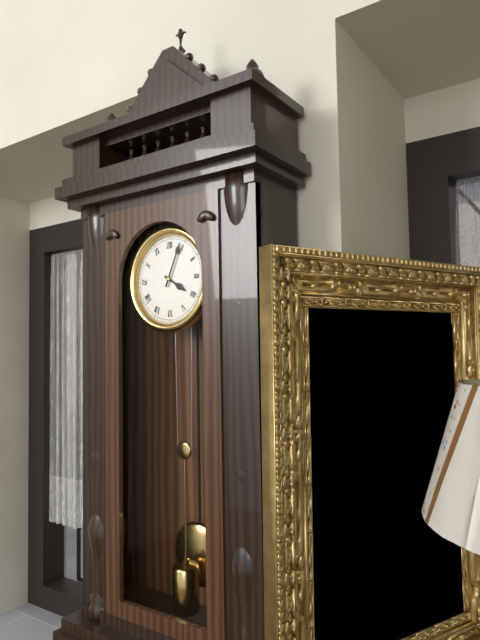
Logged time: 4:04
